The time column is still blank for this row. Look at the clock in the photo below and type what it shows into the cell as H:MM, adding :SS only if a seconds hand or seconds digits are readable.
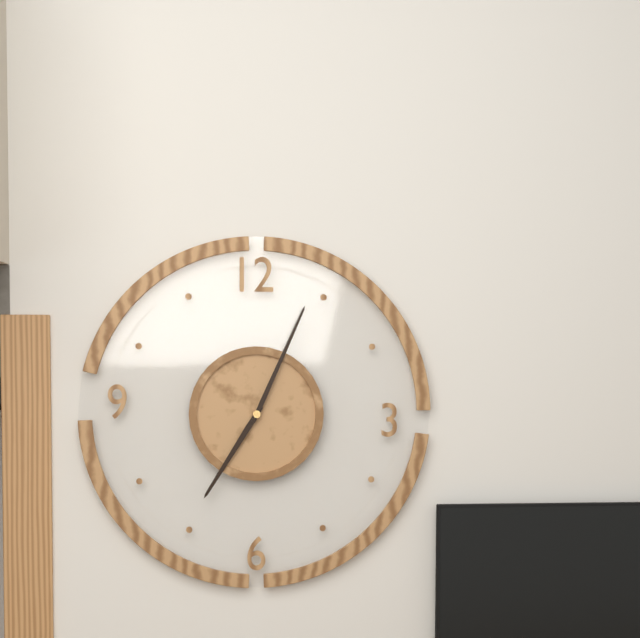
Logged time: 7:04
